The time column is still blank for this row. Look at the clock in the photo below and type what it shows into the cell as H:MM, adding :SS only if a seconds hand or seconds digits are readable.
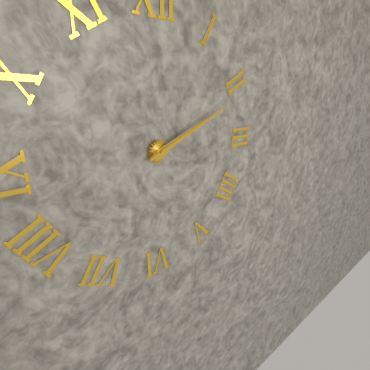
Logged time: 2:11
